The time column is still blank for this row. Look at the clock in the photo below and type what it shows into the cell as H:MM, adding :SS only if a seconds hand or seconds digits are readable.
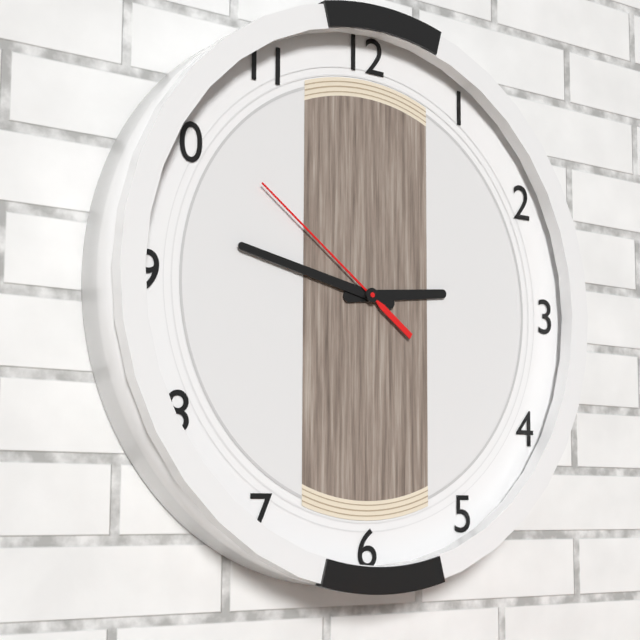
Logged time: 2:47:51
